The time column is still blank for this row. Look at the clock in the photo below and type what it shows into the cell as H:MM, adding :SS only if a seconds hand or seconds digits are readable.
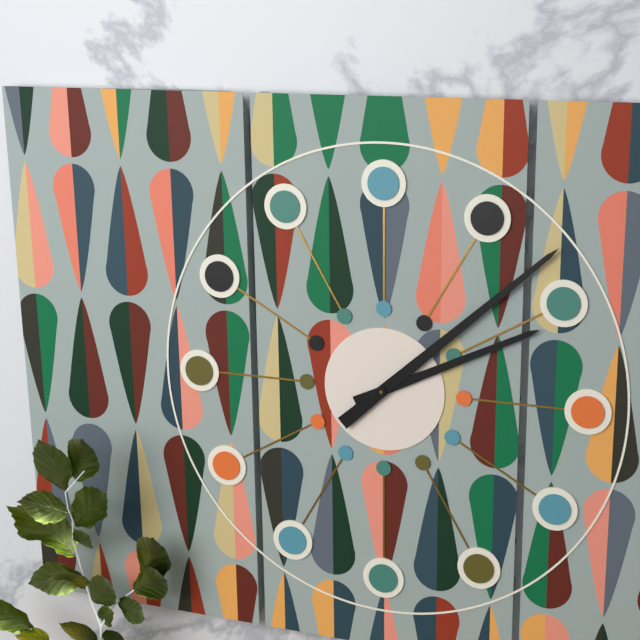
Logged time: 2:08
